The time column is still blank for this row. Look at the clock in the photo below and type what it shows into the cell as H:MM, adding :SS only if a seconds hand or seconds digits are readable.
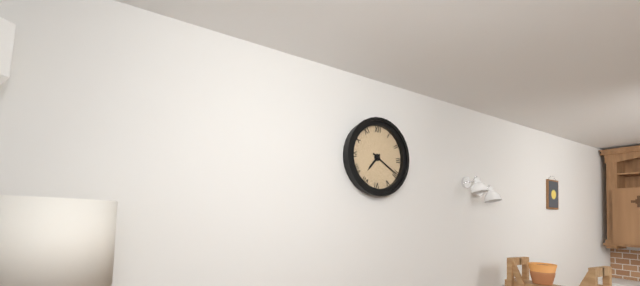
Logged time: 7:20
